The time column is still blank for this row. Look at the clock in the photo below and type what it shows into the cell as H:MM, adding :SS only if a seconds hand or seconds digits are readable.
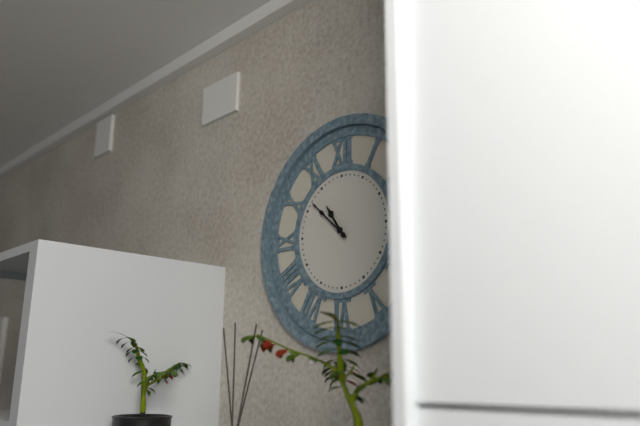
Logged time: 10:52
